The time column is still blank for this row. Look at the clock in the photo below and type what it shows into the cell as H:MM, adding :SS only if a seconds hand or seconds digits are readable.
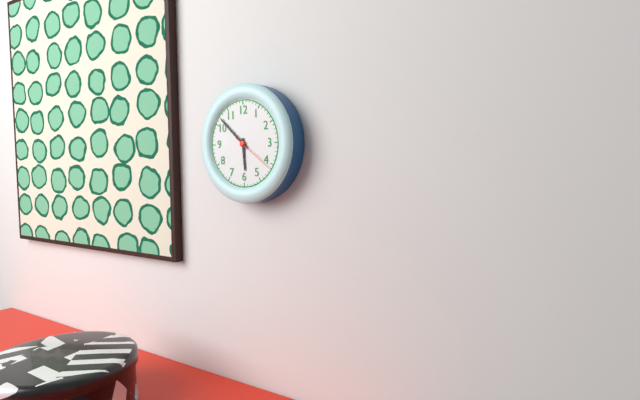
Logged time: 5:52
